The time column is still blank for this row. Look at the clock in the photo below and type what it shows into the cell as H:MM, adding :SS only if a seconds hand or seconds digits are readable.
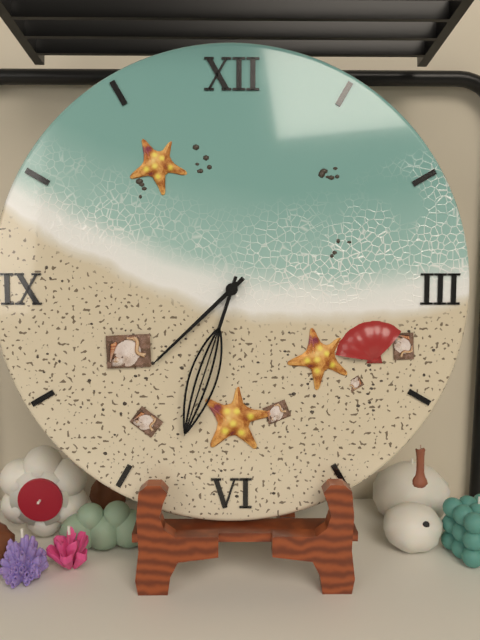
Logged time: 7:33
